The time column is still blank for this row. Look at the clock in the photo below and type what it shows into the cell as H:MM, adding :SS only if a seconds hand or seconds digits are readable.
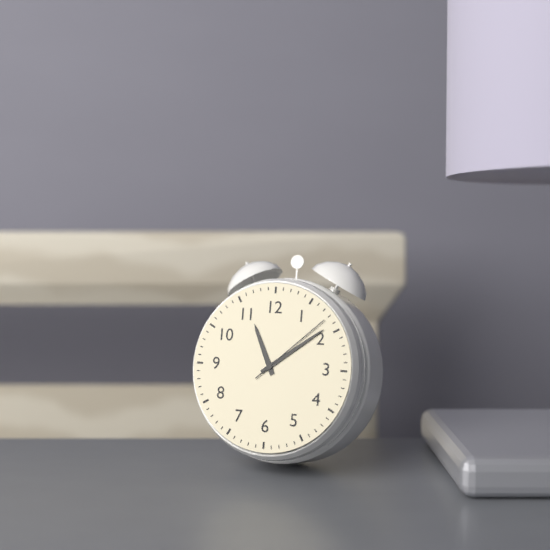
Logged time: 11:09:08
